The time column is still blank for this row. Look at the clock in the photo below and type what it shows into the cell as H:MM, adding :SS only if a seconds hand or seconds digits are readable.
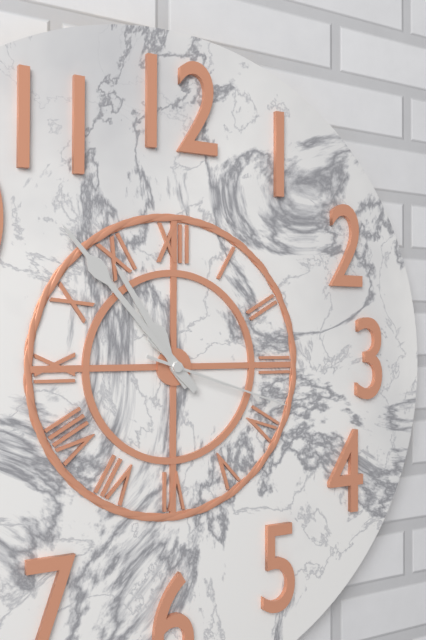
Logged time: 10:53:18
